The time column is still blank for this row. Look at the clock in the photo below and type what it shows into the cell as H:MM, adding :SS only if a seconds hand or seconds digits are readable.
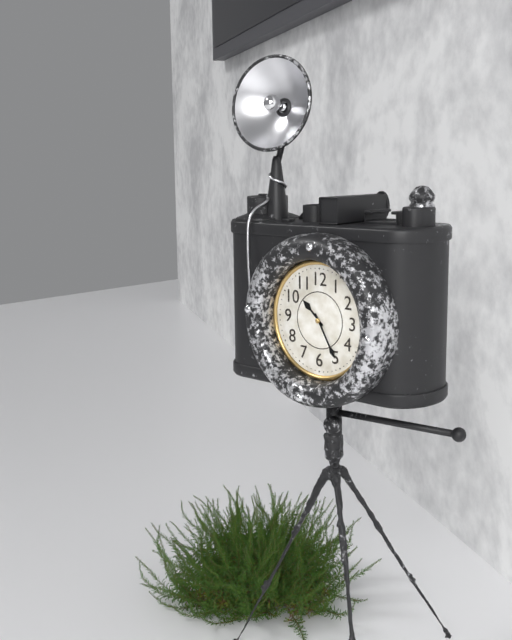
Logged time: 10:25
